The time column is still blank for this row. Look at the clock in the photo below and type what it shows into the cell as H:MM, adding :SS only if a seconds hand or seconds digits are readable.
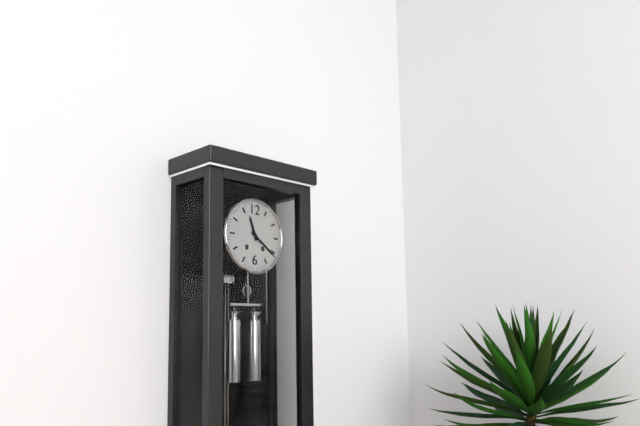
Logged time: 11:21
